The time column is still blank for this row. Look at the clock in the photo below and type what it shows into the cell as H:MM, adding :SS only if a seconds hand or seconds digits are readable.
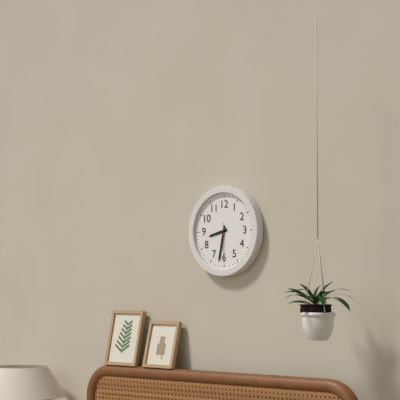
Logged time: 8:32
